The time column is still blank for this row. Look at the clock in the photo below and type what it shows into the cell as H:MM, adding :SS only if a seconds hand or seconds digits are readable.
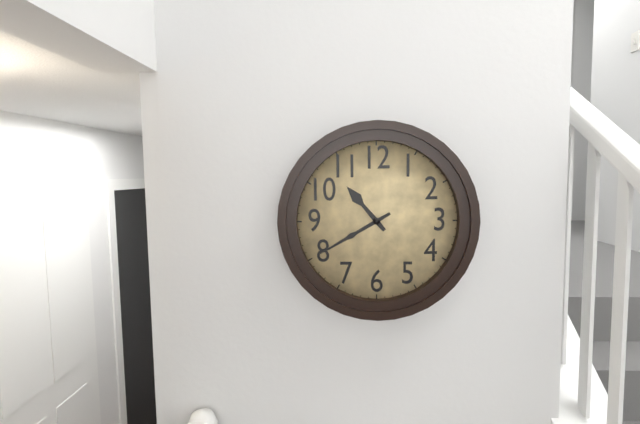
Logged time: 10:40
